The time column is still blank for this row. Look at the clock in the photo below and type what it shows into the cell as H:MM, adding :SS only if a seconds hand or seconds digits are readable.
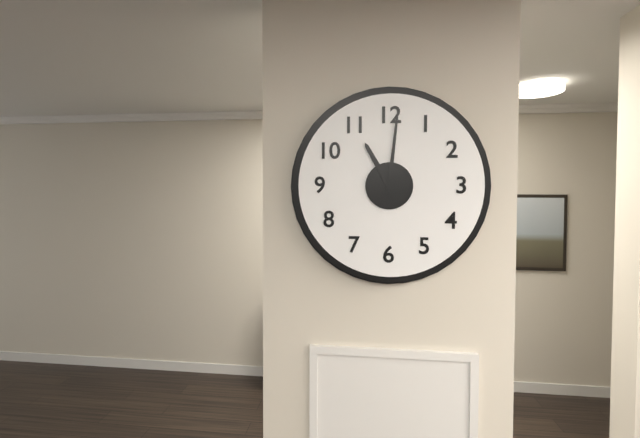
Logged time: 11:01
